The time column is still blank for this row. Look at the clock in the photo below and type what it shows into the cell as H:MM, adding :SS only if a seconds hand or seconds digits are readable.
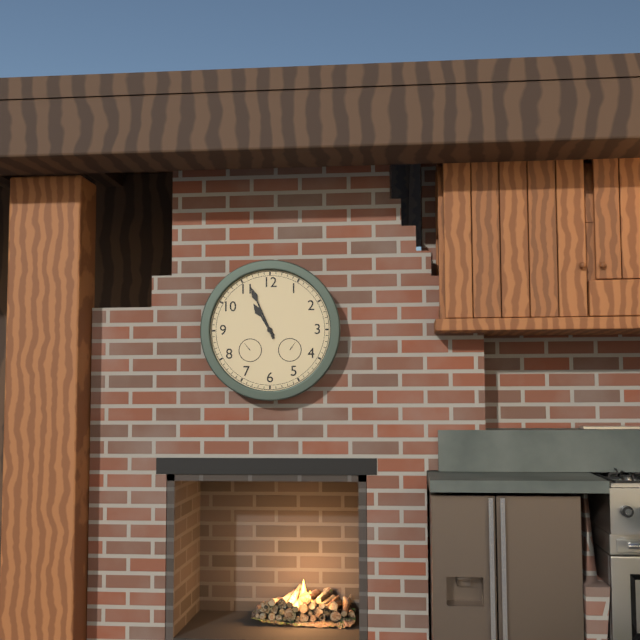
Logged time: 10:56
